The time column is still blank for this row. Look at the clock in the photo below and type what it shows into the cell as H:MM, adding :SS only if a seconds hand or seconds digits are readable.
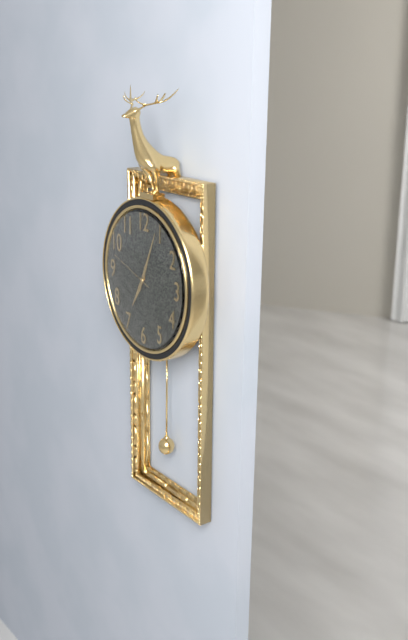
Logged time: 7:04
